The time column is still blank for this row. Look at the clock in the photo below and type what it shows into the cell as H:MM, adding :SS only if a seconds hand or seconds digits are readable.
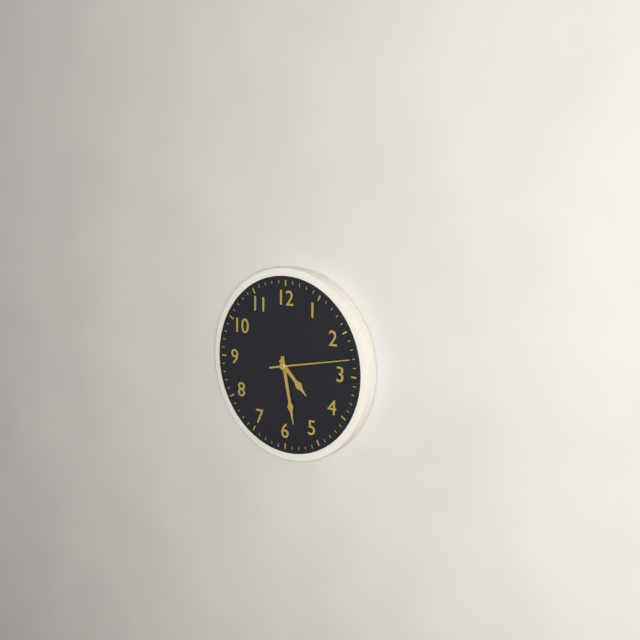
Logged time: 4:28:13
